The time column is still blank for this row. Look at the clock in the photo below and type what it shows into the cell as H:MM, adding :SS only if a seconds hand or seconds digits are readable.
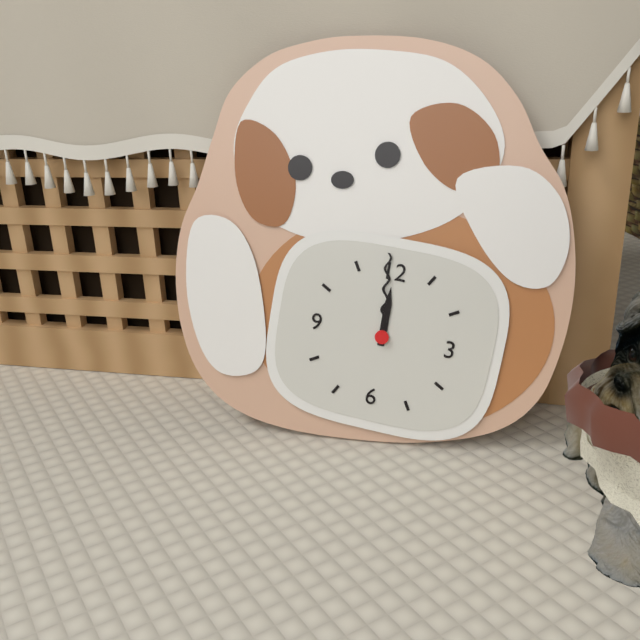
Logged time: 11:59
